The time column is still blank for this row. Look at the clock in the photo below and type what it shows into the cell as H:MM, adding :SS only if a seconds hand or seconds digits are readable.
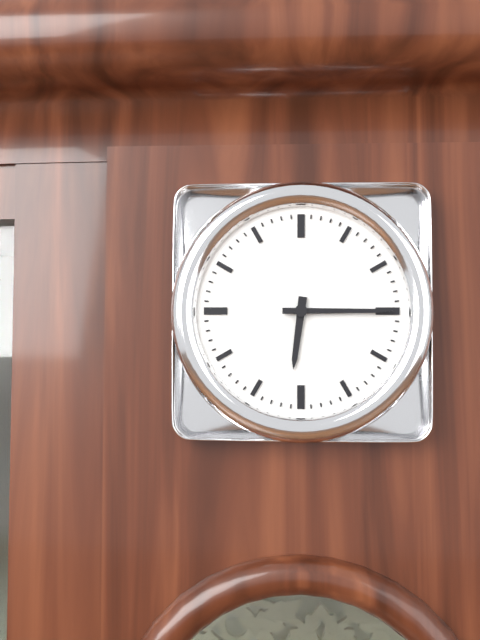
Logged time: 6:15
